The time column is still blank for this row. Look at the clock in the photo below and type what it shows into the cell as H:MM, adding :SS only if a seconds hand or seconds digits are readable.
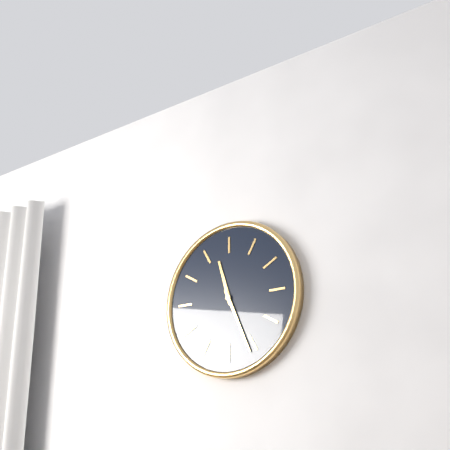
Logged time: 11:26
